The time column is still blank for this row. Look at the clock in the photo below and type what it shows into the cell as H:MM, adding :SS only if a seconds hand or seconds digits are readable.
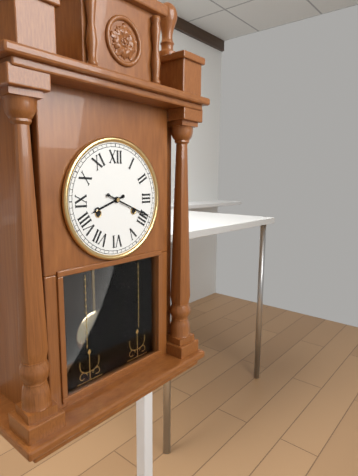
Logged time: 8:19
